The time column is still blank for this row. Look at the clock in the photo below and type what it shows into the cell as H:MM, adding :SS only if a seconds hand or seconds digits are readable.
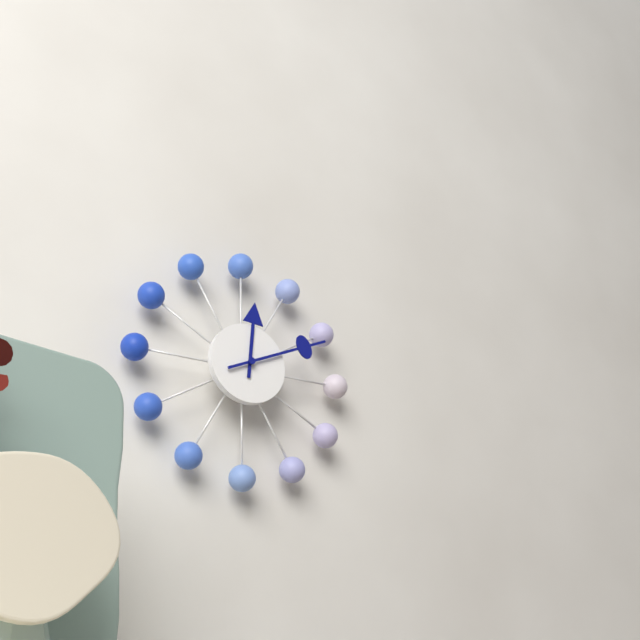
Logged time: 12:11
